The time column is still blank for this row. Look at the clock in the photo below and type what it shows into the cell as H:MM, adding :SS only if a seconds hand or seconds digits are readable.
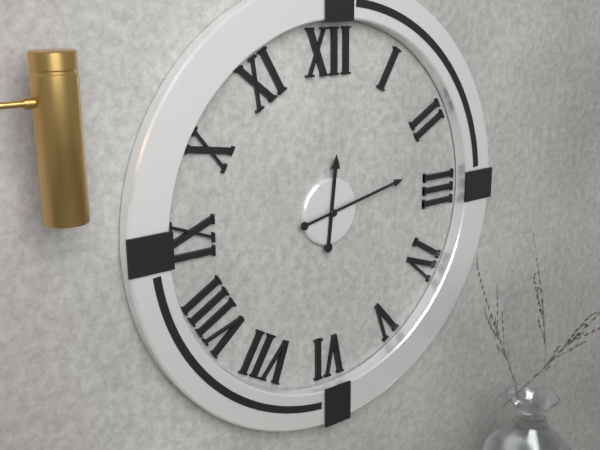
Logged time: 12:13
